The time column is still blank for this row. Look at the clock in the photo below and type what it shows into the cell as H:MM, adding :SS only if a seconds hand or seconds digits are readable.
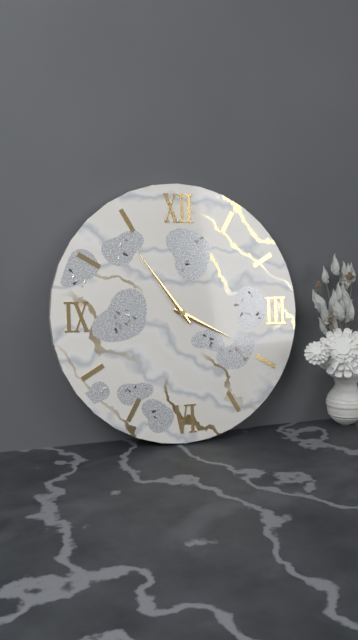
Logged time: 3:54
